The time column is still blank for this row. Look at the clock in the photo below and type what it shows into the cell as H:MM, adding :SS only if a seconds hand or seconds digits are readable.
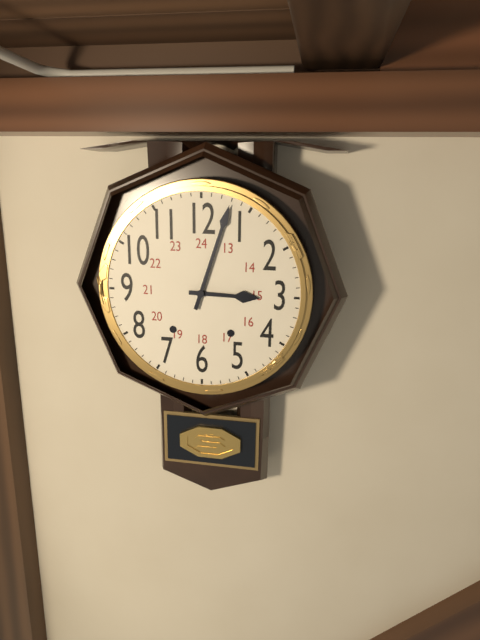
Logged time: 3:03
